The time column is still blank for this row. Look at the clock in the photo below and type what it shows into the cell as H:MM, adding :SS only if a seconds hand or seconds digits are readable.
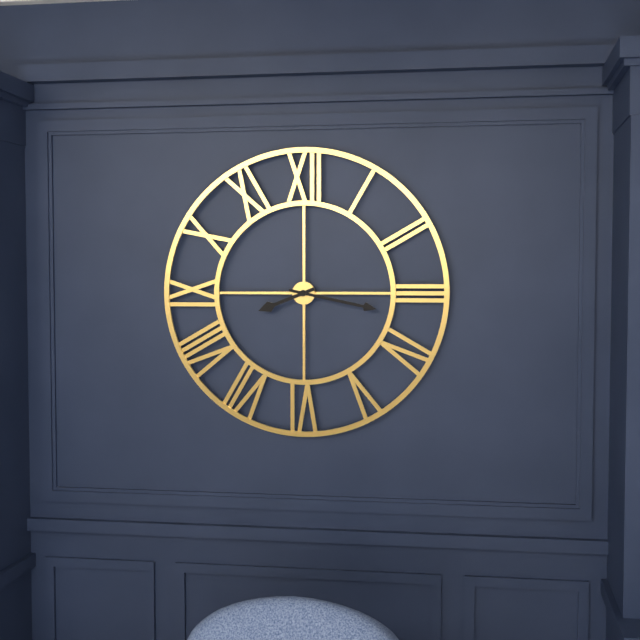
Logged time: 8:17
